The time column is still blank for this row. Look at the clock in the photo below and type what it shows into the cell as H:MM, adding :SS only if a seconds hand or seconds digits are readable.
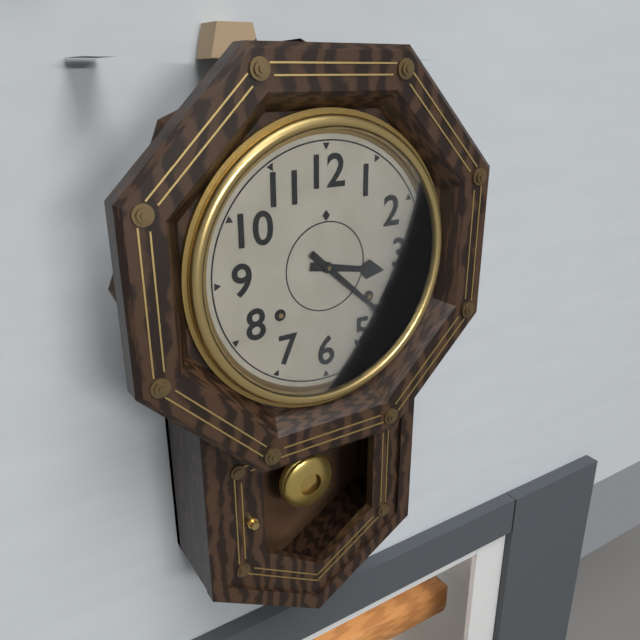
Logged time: 3:22
